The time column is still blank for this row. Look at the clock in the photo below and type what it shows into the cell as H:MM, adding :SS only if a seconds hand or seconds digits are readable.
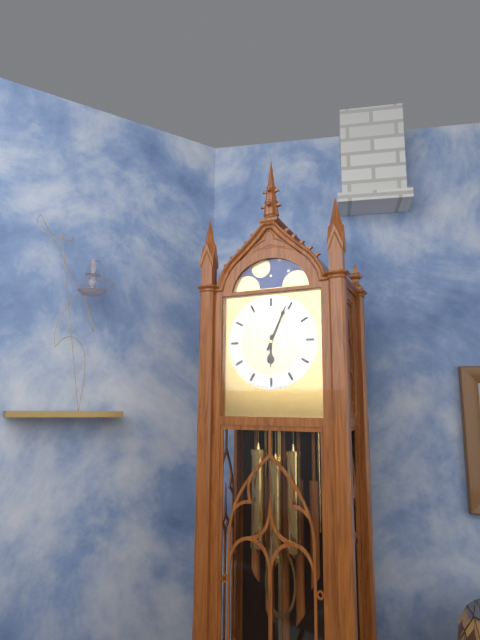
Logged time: 6:04
